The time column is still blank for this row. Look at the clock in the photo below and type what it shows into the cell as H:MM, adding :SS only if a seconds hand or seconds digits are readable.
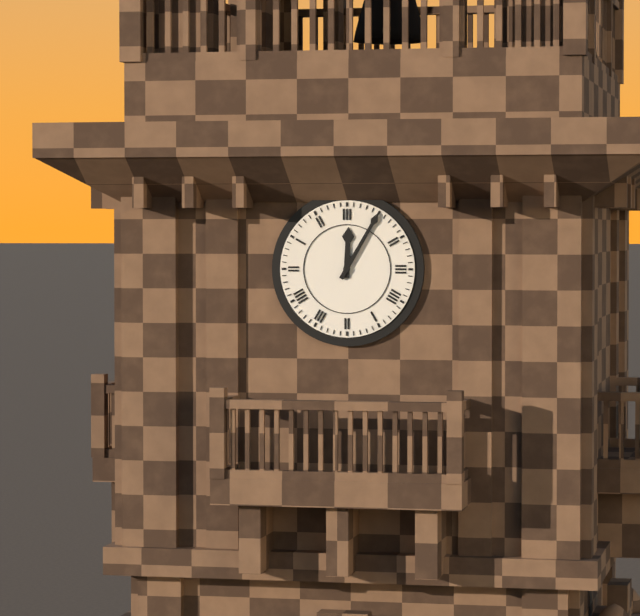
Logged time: 12:05
